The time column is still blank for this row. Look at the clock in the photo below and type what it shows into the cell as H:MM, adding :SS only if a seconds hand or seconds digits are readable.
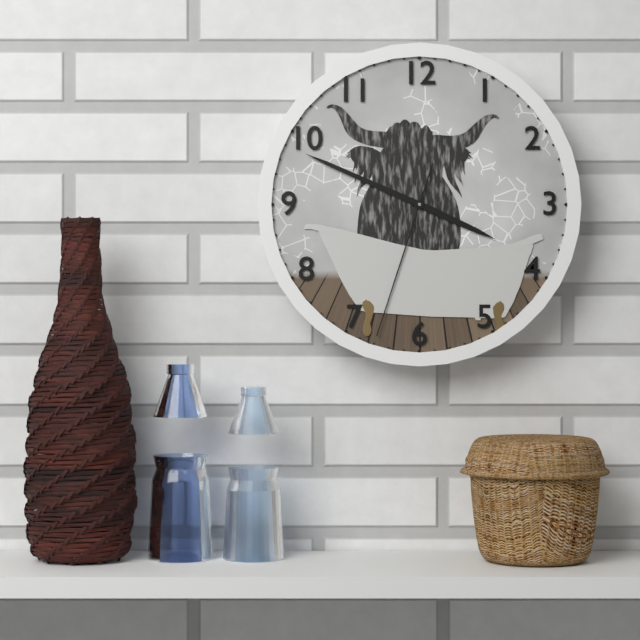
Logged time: 3:49:33
